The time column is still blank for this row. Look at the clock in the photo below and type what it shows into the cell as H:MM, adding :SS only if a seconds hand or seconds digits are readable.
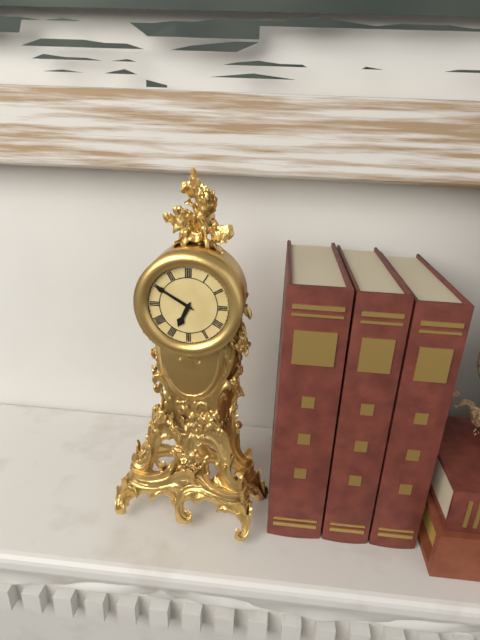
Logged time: 6:50
